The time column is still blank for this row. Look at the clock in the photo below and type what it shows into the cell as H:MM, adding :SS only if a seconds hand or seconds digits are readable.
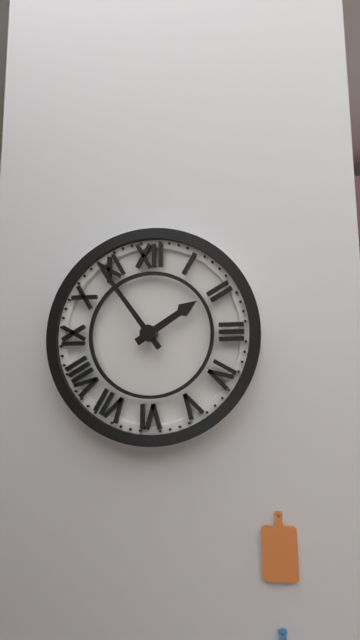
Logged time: 1:54
